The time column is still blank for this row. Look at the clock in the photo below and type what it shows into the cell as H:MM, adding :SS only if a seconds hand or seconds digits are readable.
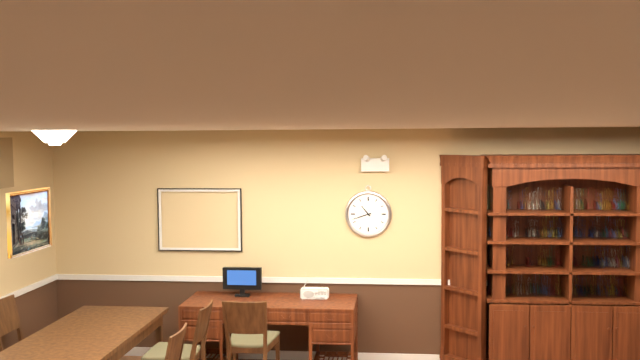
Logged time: 10:42
